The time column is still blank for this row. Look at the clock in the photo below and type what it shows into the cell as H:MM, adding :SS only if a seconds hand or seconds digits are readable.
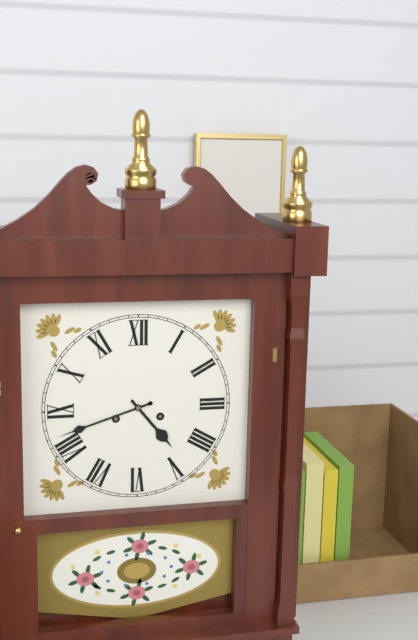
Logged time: 4:42
